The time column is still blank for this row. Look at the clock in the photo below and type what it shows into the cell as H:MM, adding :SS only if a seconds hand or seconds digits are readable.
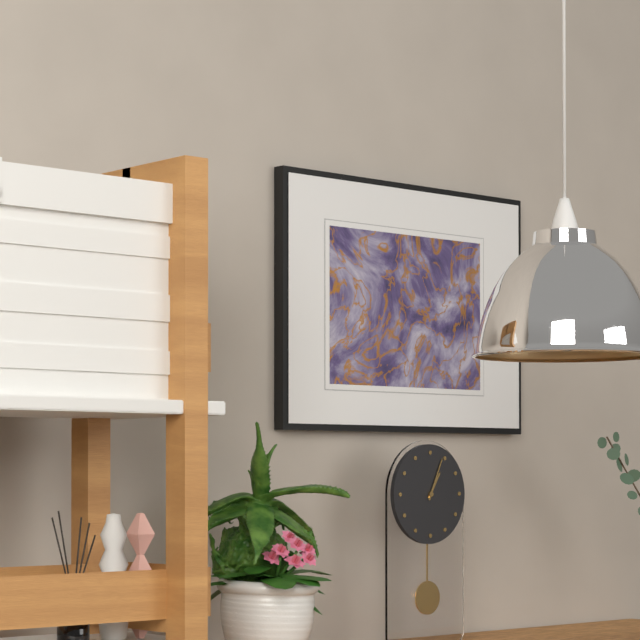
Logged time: 1:04
